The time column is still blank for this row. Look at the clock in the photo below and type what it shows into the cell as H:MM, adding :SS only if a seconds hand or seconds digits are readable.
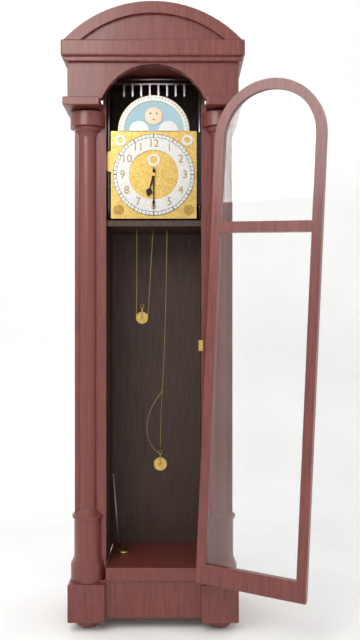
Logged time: 6:30
